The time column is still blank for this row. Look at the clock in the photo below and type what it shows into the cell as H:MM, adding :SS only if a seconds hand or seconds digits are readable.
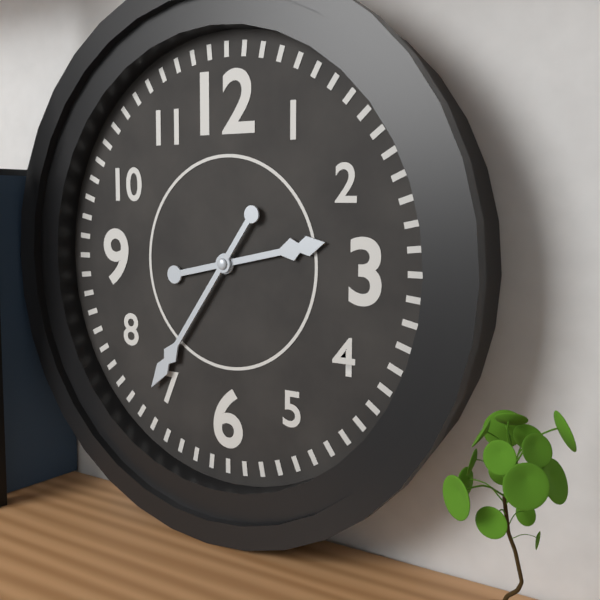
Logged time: 2:36
